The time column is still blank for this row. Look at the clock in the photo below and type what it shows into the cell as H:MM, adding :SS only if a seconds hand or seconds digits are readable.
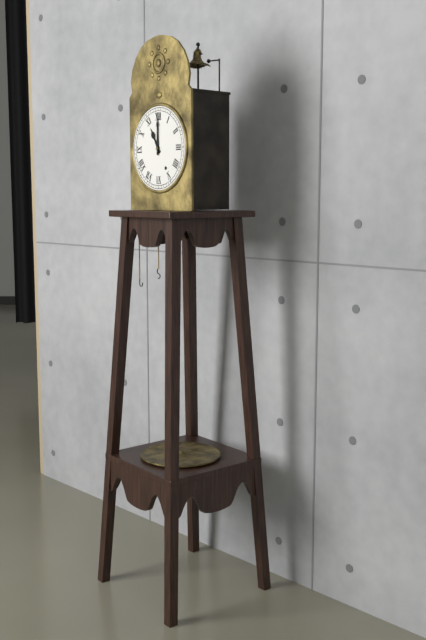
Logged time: 11:00
